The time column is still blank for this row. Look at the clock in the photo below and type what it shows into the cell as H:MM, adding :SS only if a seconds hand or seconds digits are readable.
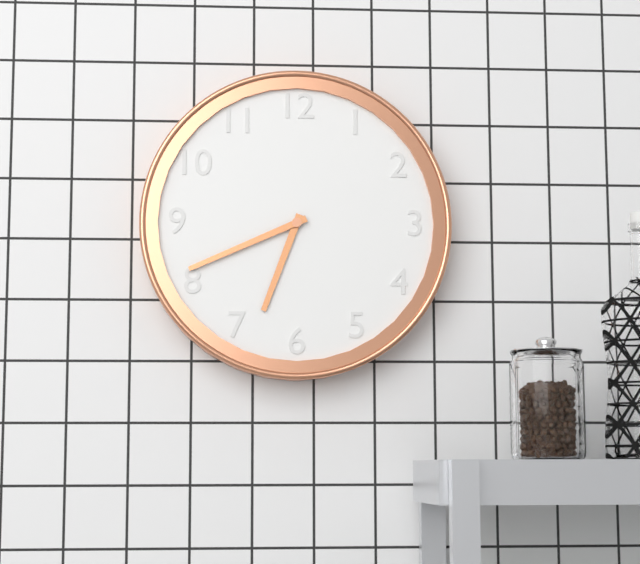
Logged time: 6:41
